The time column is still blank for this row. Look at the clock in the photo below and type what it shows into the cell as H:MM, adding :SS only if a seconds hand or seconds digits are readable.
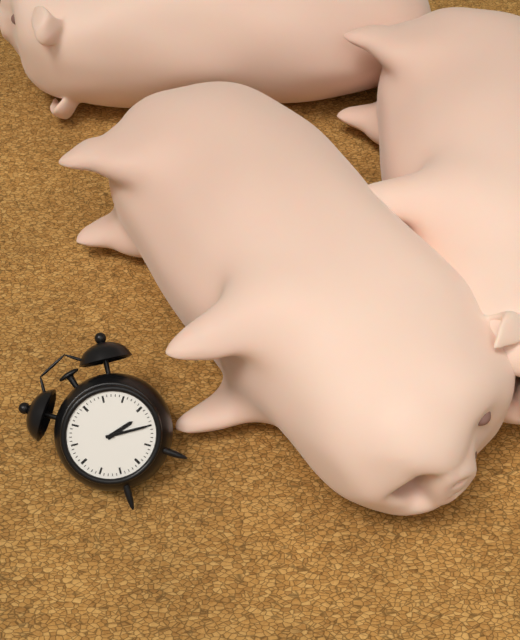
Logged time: 3:20
